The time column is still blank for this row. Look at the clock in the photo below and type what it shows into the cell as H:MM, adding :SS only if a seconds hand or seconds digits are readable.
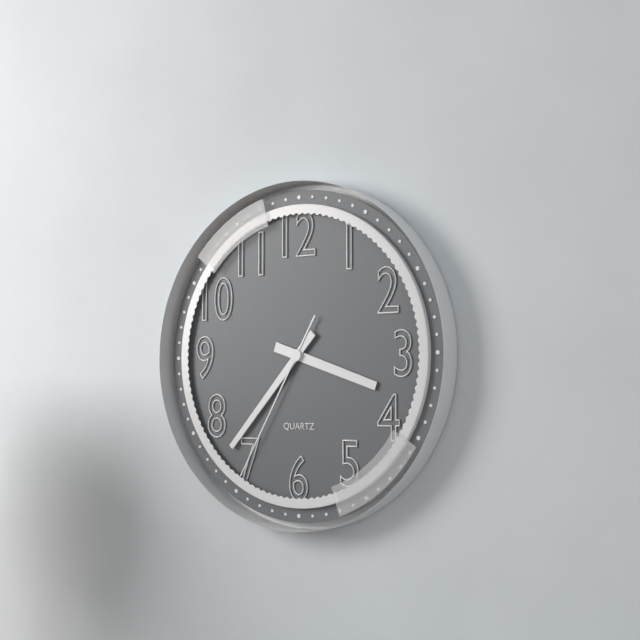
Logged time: 3:37:35
